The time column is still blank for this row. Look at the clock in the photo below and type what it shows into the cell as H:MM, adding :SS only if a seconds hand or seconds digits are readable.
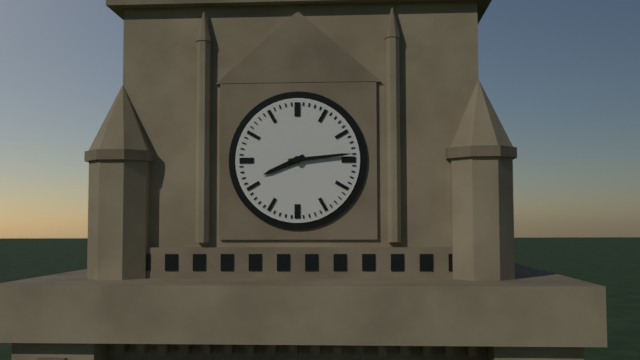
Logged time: 8:14
